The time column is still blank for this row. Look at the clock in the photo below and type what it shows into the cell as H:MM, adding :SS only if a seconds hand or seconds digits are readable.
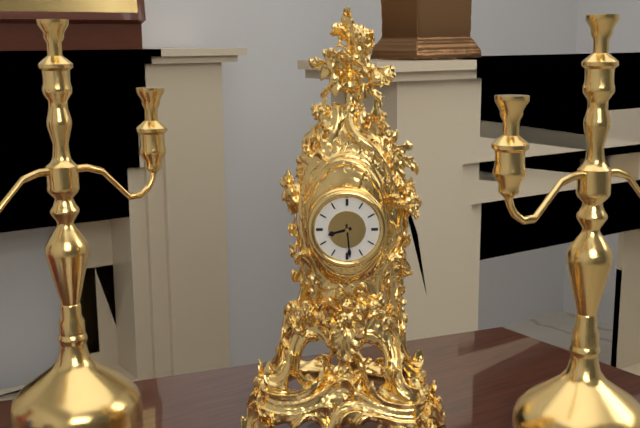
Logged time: 8:29
